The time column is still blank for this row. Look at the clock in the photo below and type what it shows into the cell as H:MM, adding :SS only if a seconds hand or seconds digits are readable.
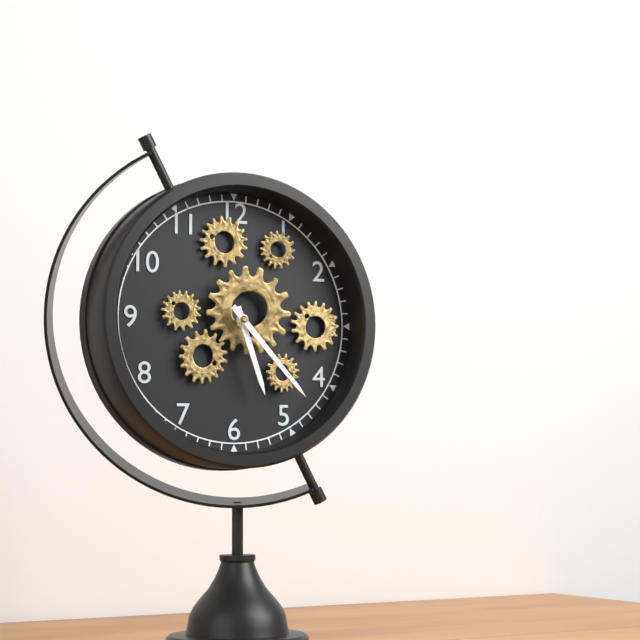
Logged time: 5:23
